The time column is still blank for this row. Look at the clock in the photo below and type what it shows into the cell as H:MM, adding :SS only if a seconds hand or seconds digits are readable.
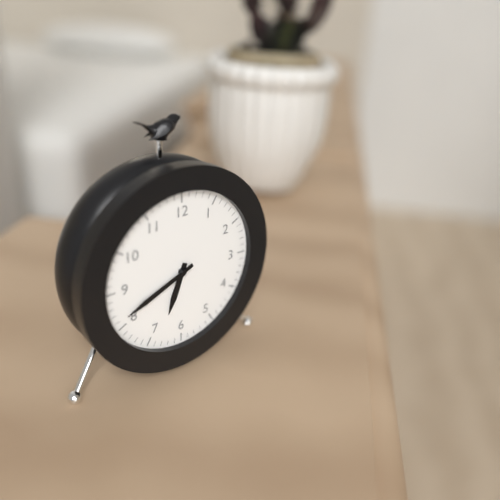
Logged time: 6:41
